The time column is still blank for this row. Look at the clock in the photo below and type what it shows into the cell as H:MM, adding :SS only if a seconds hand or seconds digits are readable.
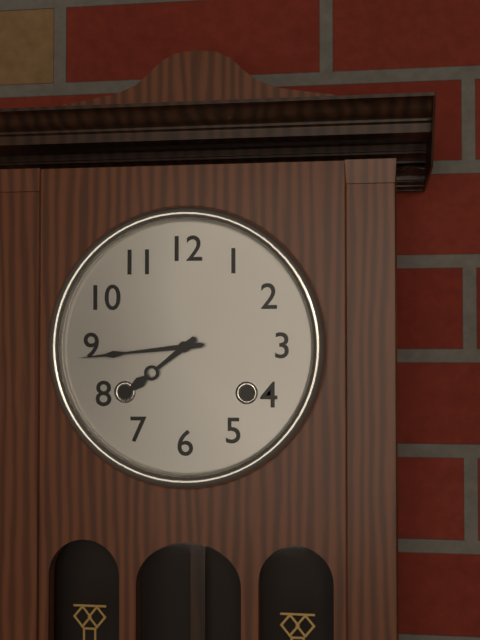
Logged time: 7:44
